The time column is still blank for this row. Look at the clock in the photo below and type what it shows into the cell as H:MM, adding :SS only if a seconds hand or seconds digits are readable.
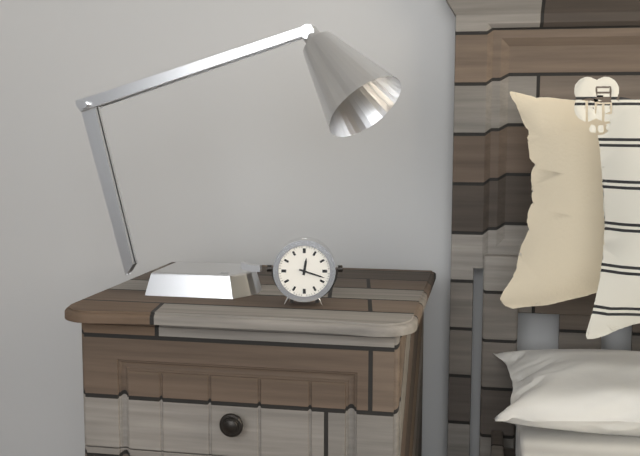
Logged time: 12:18
